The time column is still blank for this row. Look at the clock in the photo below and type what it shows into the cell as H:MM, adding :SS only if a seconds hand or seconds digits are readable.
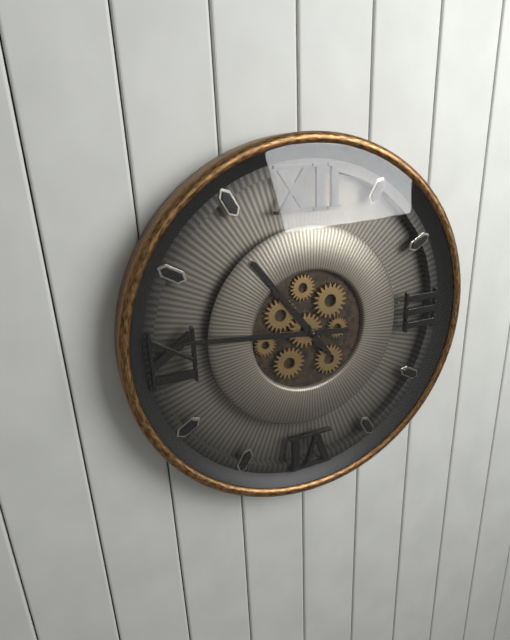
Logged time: 10:46
